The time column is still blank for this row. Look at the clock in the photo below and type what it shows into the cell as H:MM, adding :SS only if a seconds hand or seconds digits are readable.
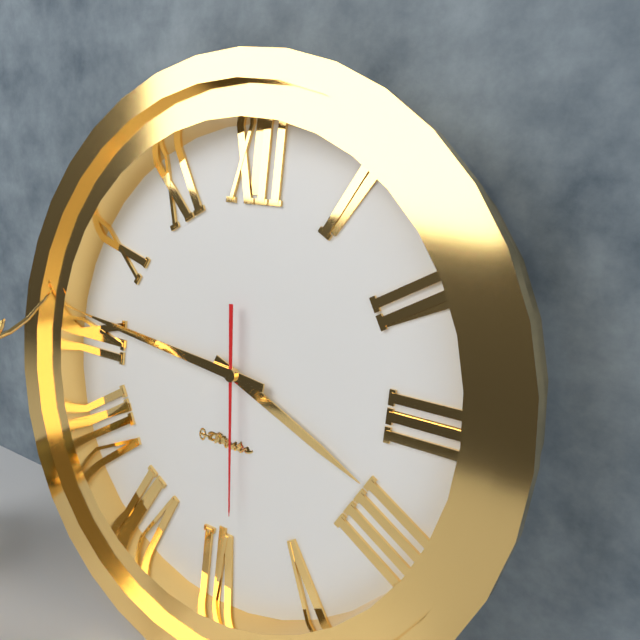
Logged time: 3:46:29
